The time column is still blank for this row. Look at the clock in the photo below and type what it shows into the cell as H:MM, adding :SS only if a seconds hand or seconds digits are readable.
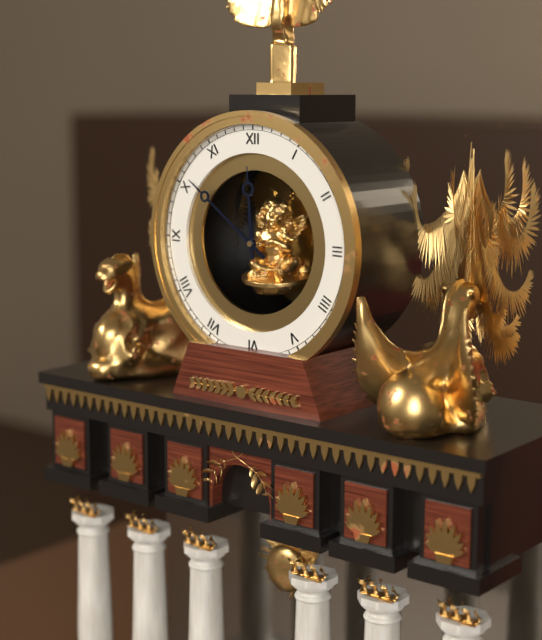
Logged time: 11:51
